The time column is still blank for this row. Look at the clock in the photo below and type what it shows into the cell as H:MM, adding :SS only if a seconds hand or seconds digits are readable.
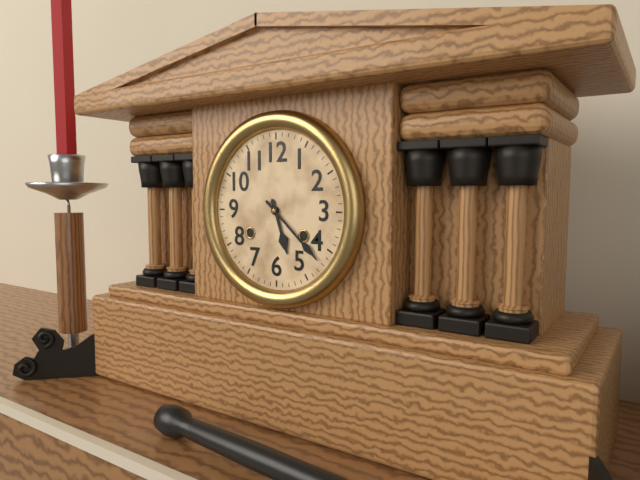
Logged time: 5:22
